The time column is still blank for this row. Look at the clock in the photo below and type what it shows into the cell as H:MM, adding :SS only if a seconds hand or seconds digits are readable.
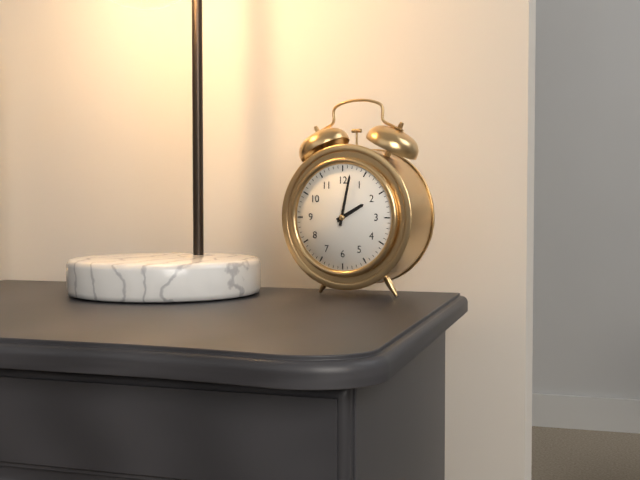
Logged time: 2:02
